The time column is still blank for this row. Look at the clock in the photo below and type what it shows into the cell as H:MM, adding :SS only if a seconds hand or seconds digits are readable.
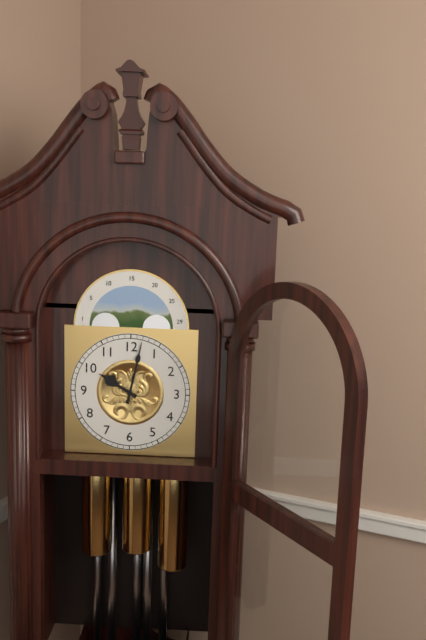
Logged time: 10:02
